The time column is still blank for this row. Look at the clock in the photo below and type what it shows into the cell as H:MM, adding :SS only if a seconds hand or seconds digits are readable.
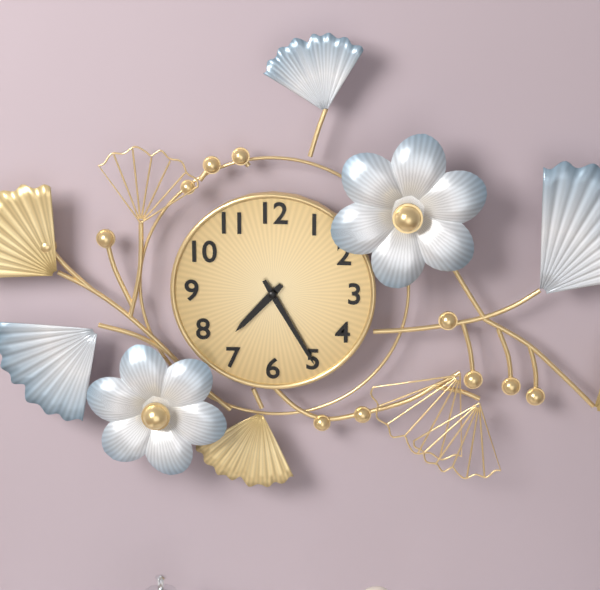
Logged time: 7:25
